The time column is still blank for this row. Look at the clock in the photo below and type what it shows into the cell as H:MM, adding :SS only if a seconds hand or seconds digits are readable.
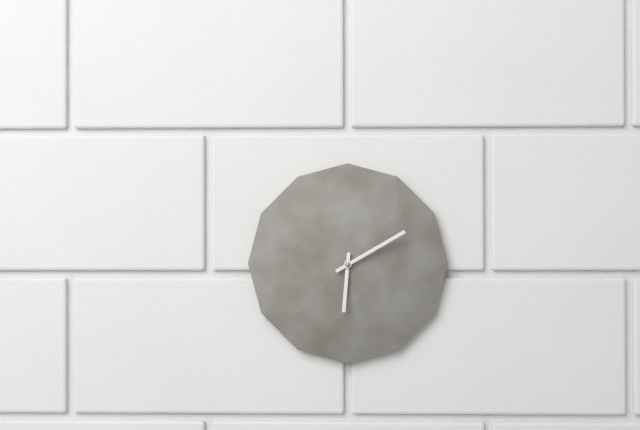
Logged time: 6:10
